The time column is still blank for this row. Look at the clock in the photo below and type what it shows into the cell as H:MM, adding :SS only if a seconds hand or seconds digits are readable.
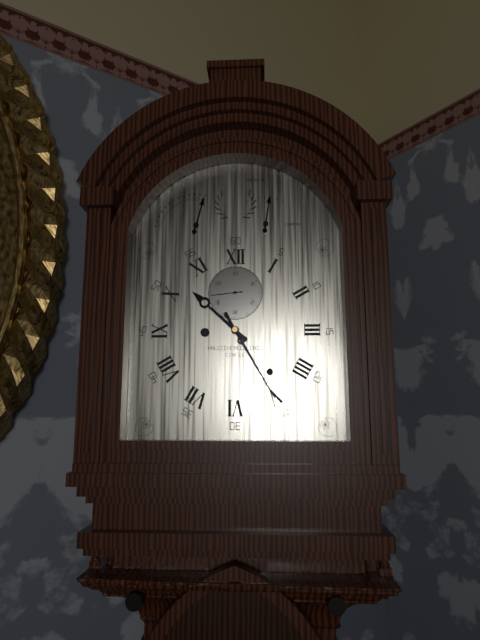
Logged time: 10:25
